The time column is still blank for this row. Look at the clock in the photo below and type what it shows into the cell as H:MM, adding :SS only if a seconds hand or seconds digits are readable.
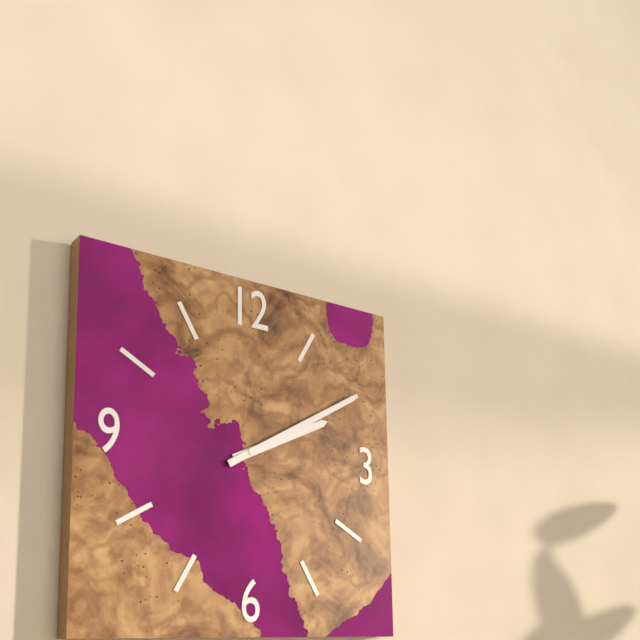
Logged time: 2:10
